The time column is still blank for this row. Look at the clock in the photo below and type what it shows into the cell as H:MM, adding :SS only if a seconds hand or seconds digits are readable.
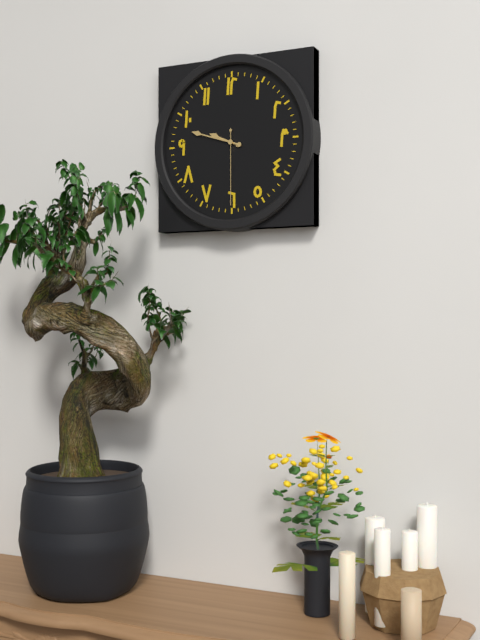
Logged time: 9:48:30
